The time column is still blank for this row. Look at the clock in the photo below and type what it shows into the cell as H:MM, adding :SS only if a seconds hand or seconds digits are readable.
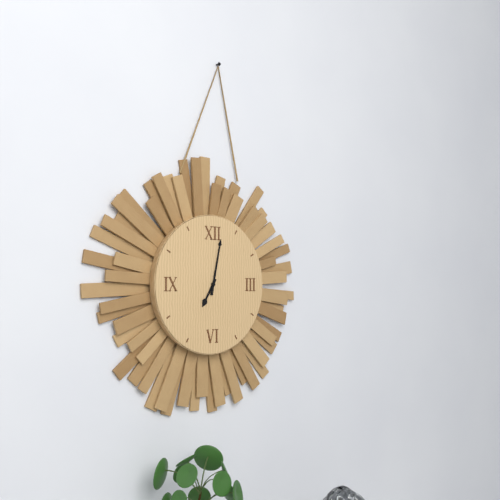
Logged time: 7:02
